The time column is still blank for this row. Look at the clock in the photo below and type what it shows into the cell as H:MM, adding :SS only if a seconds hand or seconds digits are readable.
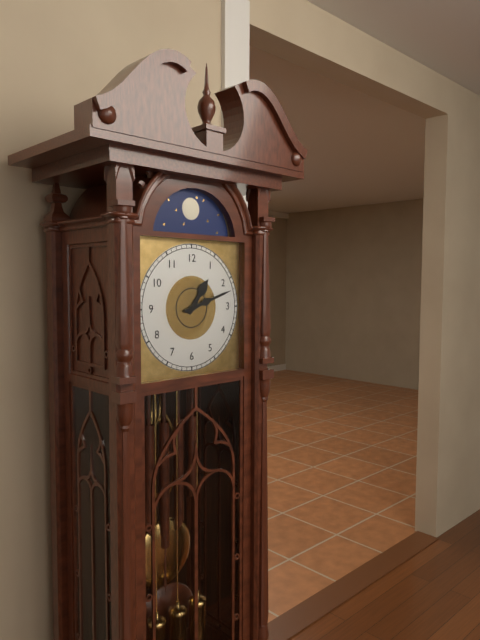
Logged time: 1:12
